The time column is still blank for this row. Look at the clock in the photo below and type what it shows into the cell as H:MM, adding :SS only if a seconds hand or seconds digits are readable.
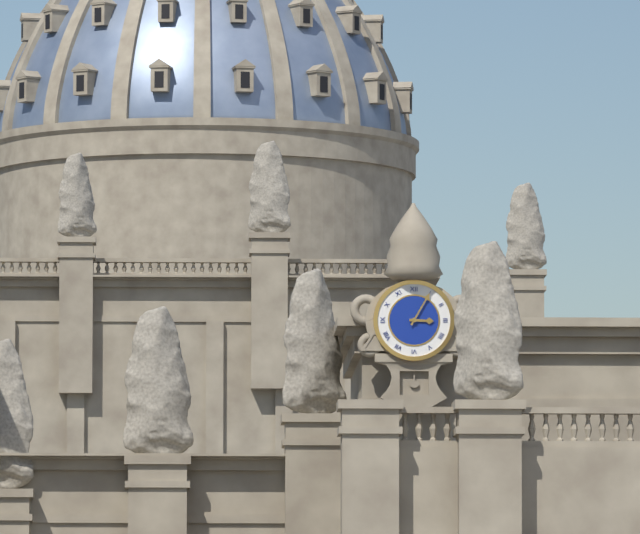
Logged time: 3:05
